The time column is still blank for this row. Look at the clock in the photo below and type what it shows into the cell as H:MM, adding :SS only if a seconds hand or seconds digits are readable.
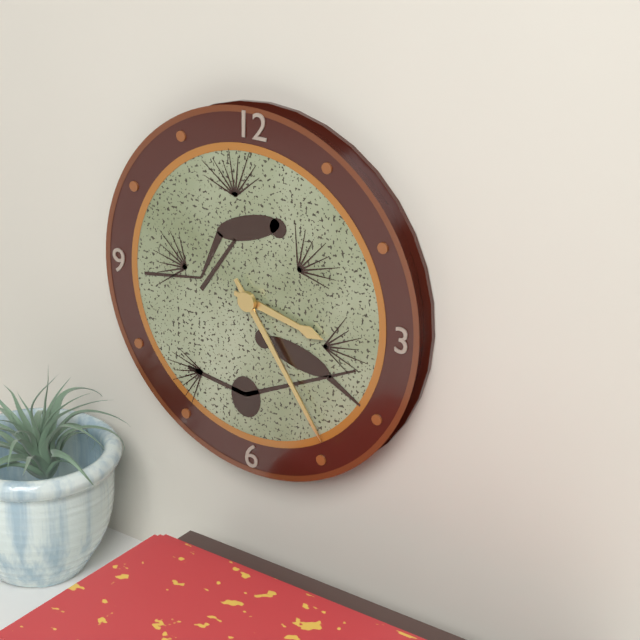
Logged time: 3:24
